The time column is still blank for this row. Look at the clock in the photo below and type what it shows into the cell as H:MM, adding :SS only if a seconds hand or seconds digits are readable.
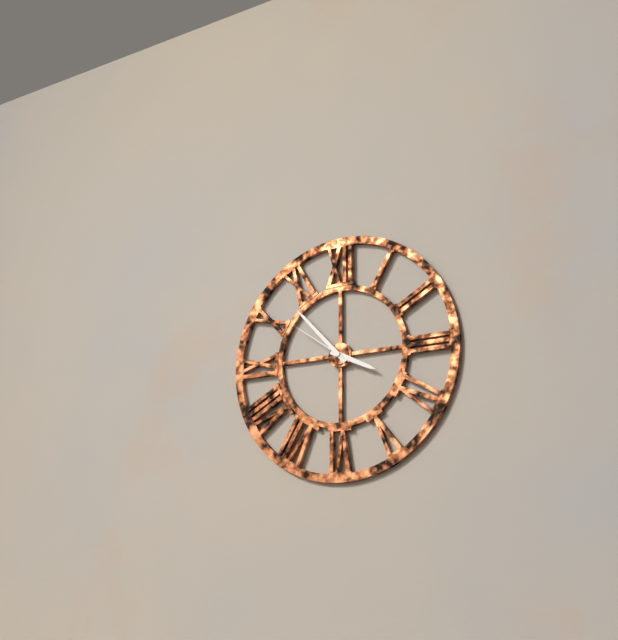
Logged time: 3:53:51
